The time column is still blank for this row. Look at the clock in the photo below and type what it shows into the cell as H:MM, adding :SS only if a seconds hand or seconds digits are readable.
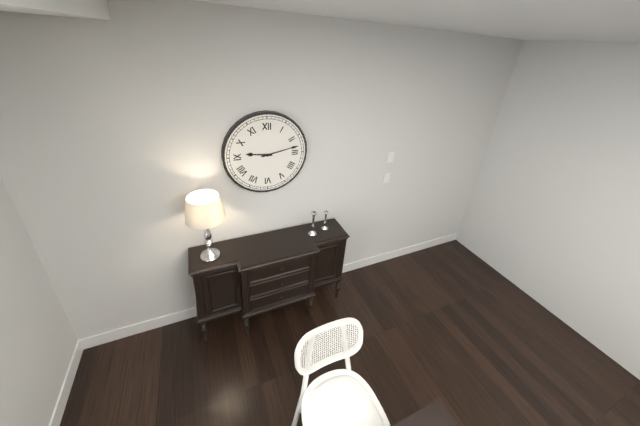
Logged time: 9:13
